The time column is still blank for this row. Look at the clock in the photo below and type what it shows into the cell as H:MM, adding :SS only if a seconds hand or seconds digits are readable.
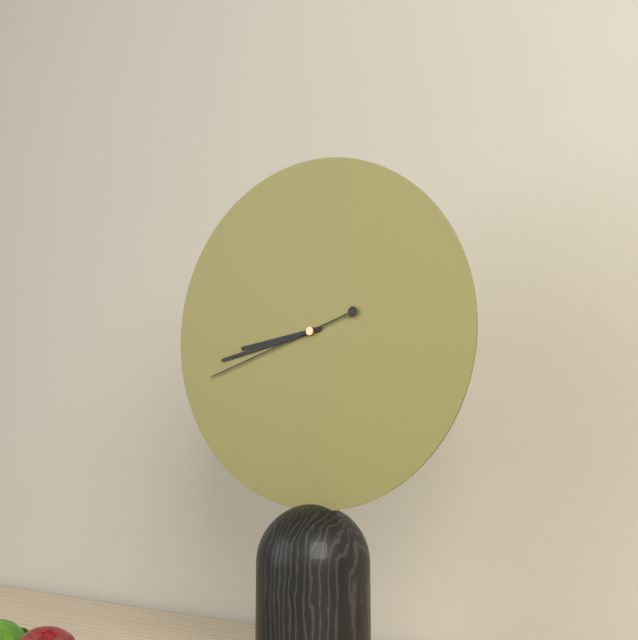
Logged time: 8:43:42
